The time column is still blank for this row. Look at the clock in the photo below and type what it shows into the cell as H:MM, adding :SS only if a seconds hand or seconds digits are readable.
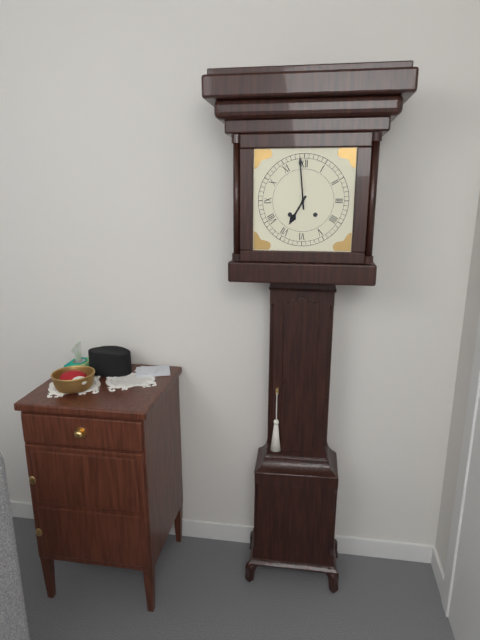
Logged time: 6:59
